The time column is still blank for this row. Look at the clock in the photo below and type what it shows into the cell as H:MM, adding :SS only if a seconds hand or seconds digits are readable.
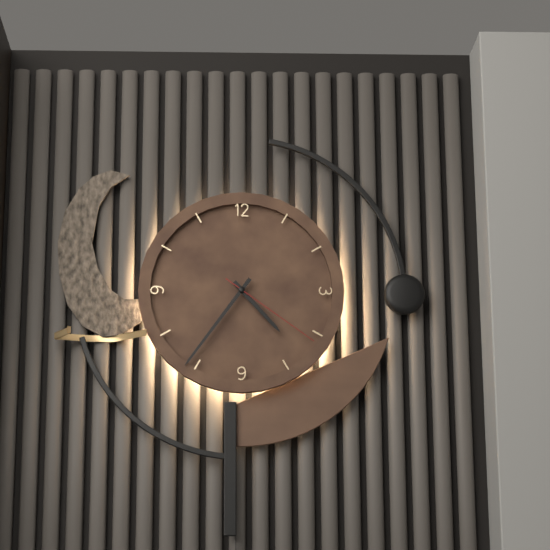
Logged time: 4:36:21
